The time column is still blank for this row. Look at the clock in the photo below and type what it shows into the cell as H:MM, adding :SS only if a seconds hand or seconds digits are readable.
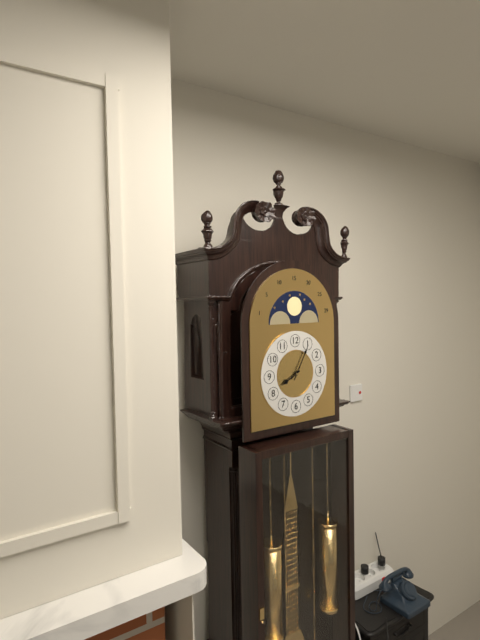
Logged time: 8:05
